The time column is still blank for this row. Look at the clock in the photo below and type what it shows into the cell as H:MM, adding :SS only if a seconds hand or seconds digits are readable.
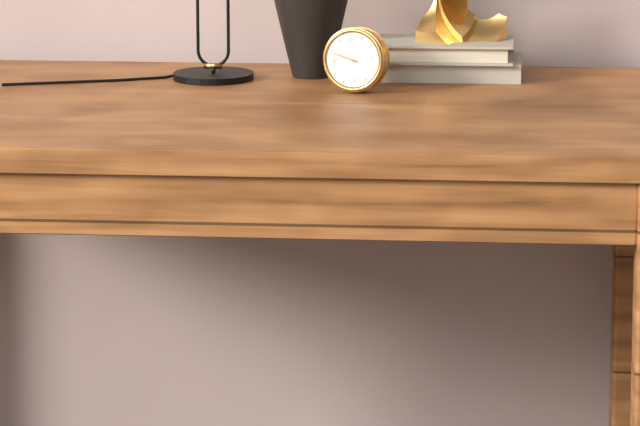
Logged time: 9:49
